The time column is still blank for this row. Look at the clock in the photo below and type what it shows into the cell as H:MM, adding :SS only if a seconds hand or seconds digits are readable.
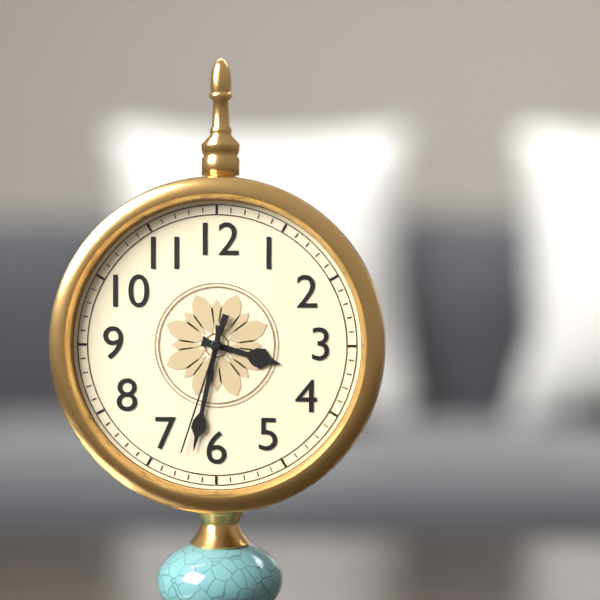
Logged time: 3:32:33
